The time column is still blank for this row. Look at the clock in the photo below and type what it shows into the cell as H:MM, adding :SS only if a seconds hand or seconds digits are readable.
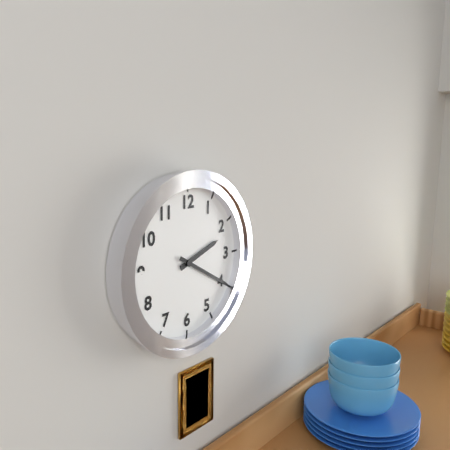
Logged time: 2:20
